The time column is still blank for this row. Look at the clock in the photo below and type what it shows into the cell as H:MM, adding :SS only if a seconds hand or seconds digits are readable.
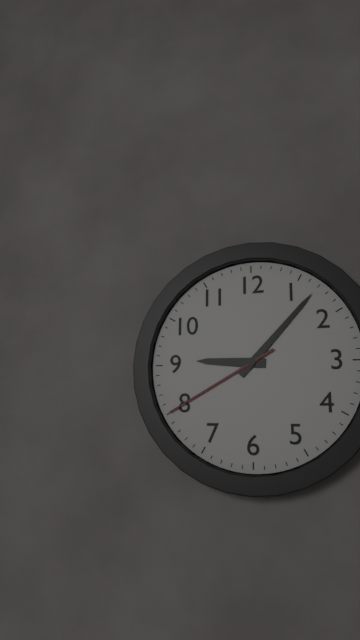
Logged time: 9:07:40
